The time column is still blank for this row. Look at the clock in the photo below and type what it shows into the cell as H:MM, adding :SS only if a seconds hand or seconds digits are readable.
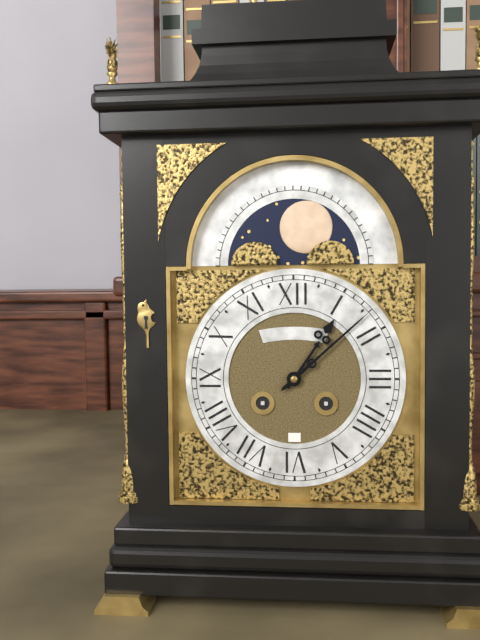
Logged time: 1:08
